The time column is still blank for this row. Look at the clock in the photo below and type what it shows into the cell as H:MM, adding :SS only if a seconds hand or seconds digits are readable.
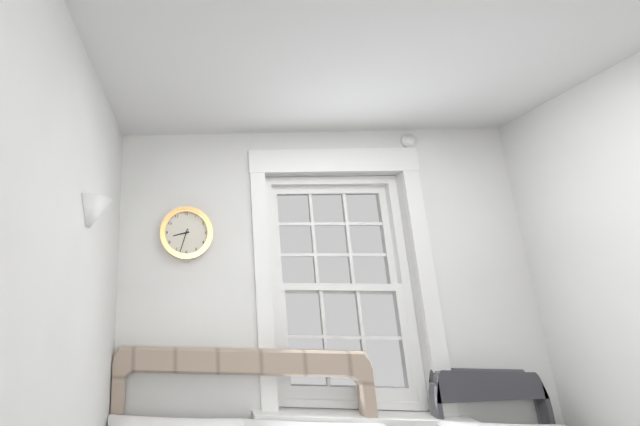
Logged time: 8:33
